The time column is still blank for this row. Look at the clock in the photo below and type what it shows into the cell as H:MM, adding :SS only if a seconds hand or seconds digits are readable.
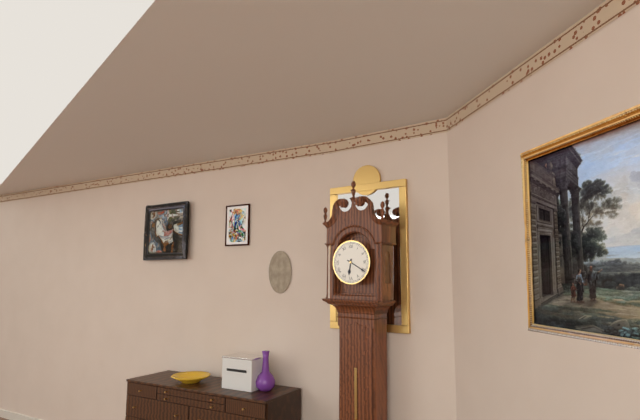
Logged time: 6:20
